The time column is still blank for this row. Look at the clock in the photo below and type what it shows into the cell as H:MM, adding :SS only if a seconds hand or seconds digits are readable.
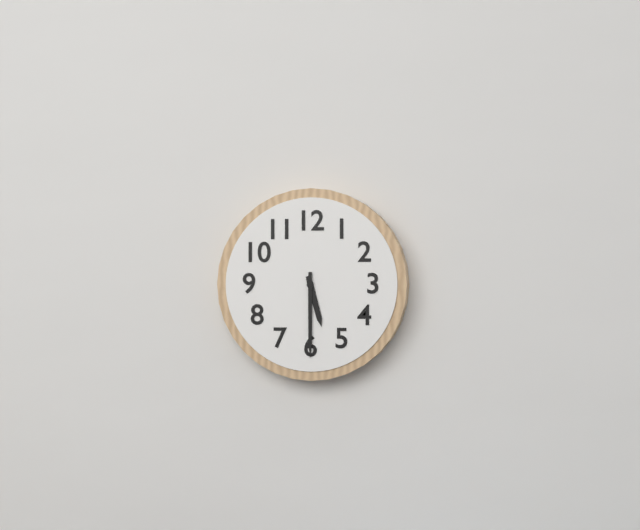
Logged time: 5:30
